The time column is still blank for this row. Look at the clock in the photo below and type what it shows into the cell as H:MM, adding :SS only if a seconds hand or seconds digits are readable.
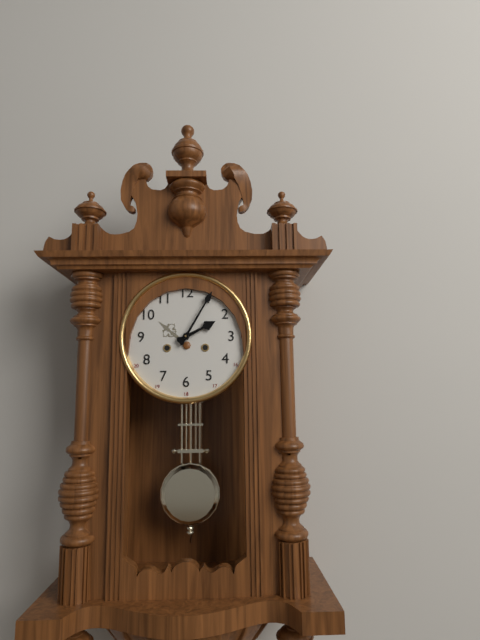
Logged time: 2:05
